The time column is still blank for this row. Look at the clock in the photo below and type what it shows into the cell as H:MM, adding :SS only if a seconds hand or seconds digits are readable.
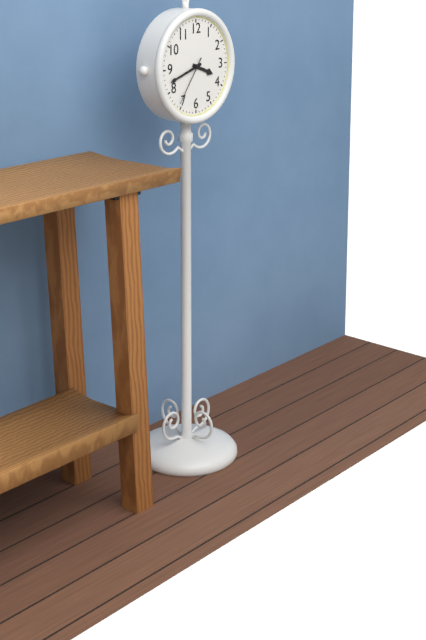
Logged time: 3:42:36
